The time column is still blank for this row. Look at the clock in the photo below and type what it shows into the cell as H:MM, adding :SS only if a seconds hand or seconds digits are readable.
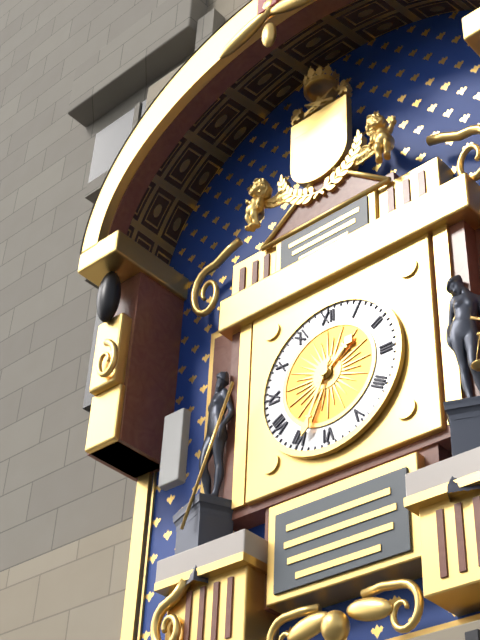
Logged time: 1:34
